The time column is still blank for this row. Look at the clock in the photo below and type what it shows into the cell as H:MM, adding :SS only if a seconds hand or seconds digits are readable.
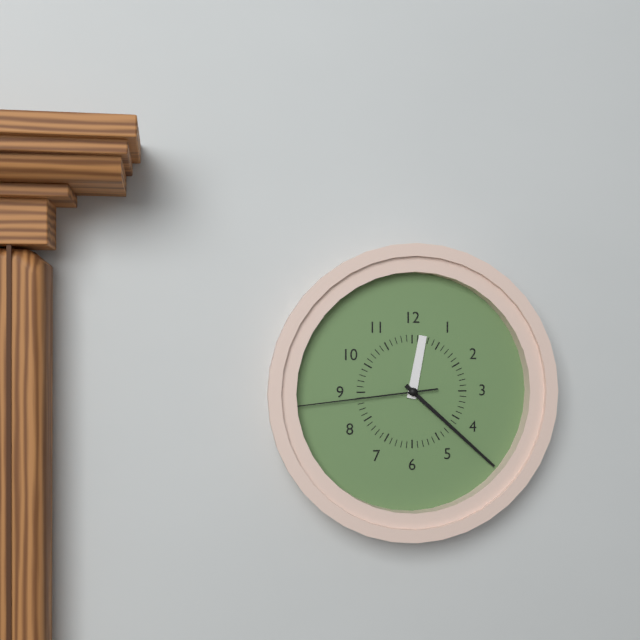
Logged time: 12:22:44
